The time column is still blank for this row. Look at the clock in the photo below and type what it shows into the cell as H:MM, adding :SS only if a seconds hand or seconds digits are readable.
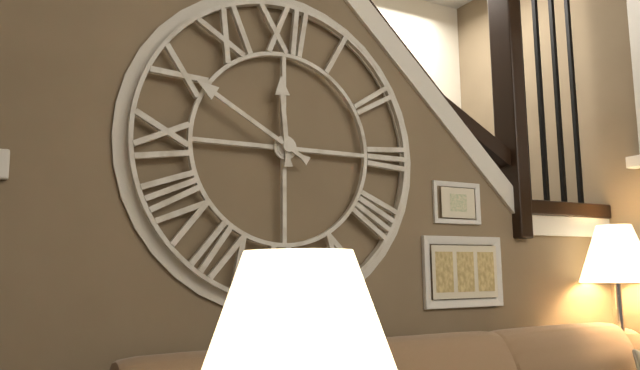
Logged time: 11:50
